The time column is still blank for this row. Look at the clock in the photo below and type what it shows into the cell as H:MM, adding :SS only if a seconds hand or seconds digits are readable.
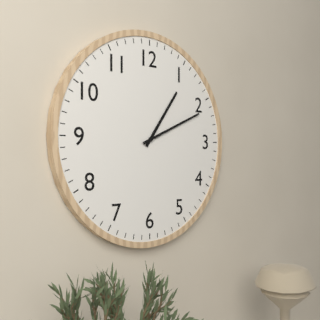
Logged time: 1:11
